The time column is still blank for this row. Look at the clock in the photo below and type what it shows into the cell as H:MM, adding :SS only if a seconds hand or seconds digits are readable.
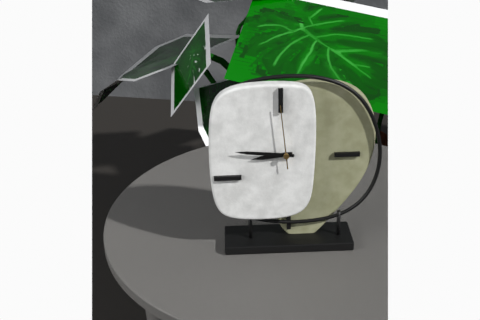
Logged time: 8:46:59
